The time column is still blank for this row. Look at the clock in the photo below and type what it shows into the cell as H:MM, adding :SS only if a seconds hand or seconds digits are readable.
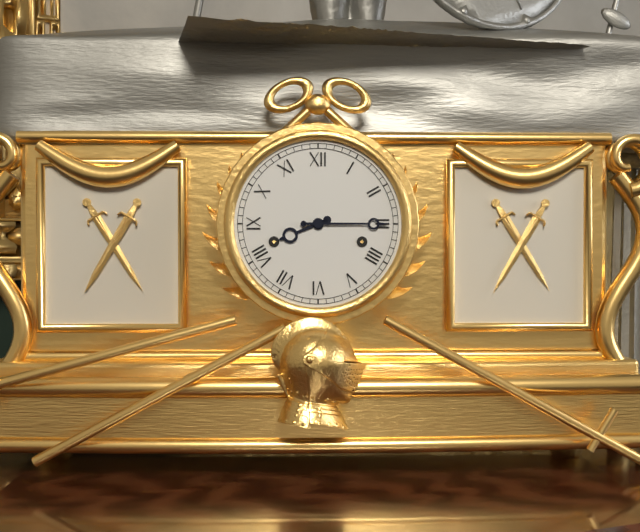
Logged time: 8:15
